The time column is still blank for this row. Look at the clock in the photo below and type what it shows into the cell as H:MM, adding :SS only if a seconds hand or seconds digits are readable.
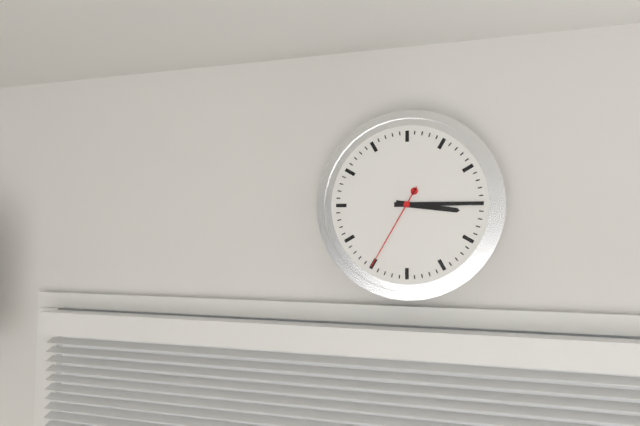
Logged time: 3:15:35
